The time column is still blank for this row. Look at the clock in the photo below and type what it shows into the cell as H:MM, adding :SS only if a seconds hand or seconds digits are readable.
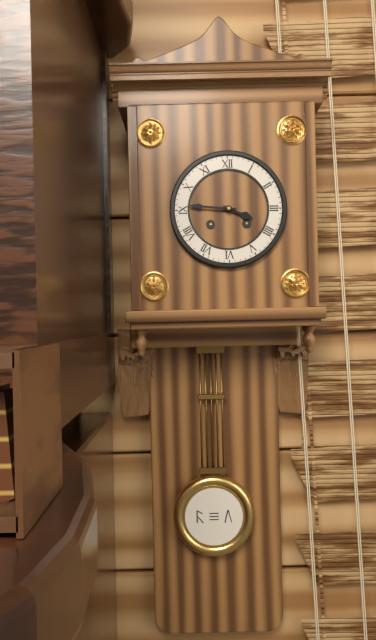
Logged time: 3:46
